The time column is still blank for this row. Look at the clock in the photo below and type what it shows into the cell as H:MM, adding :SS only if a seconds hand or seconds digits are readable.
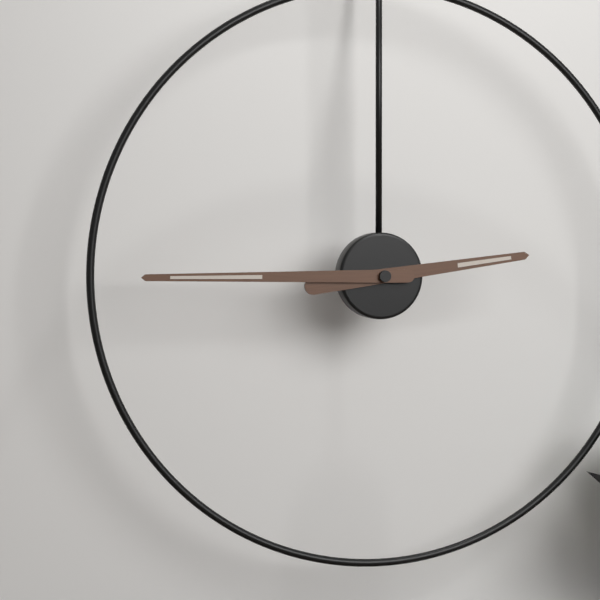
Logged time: 2:45
